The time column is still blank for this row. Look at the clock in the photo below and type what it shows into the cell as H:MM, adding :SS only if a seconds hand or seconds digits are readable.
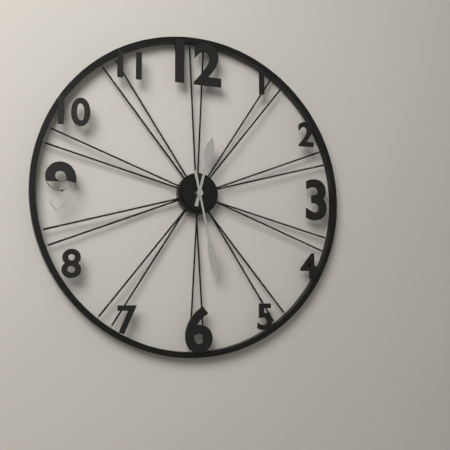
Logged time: 12:28
